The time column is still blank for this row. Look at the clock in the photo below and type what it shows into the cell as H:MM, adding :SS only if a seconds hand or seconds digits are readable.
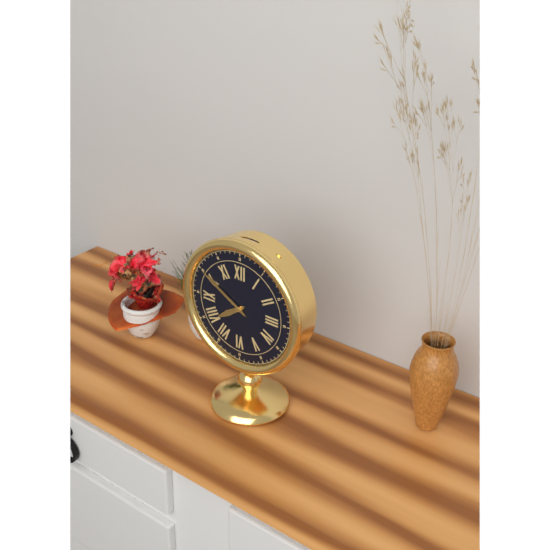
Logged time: 7:50
